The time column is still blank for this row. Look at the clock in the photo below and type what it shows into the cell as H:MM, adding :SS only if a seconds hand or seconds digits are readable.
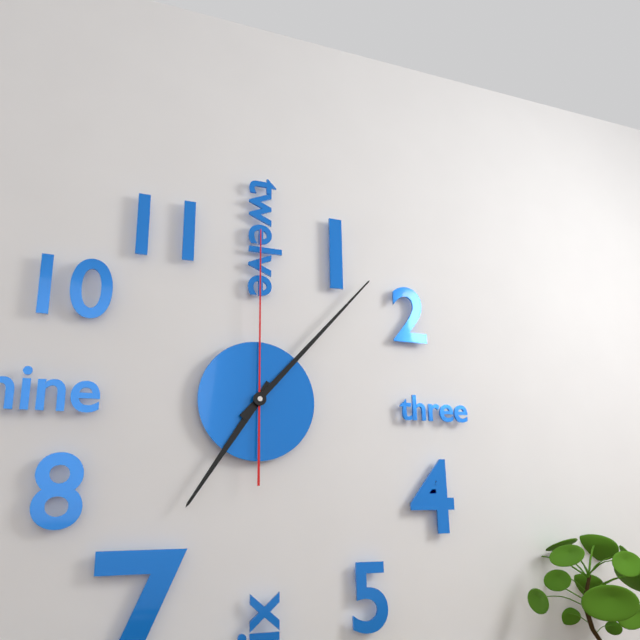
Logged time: 7:07:00
